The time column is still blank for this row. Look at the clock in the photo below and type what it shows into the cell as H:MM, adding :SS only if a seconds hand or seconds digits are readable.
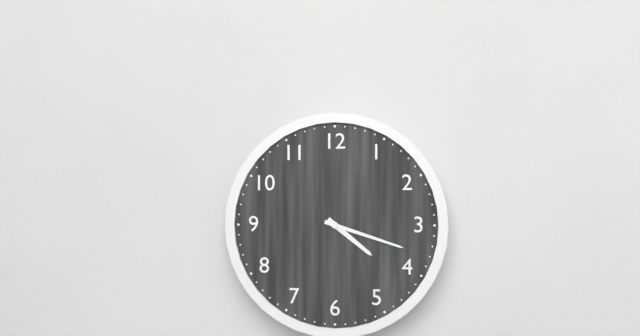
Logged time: 4:18
